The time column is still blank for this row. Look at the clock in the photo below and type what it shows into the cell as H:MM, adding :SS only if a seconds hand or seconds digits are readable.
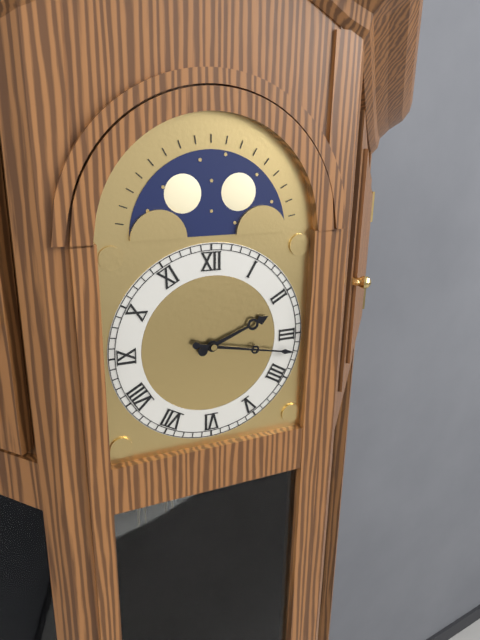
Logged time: 2:17
